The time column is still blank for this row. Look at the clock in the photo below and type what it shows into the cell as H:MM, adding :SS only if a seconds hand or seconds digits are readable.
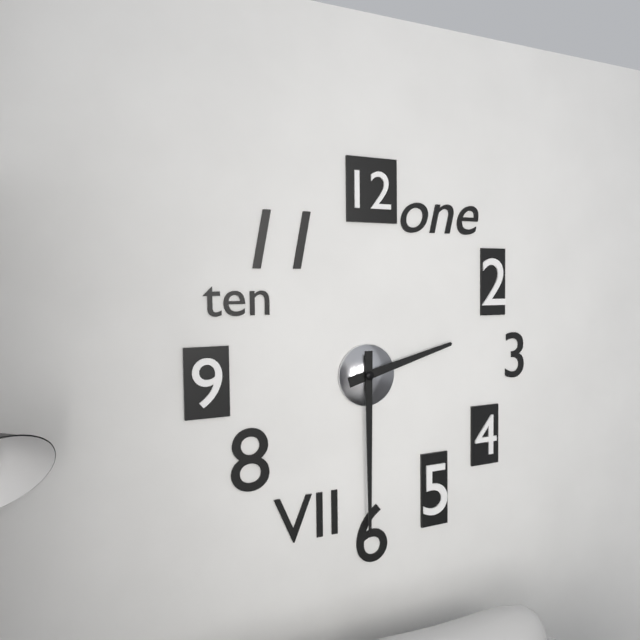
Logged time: 2:30
